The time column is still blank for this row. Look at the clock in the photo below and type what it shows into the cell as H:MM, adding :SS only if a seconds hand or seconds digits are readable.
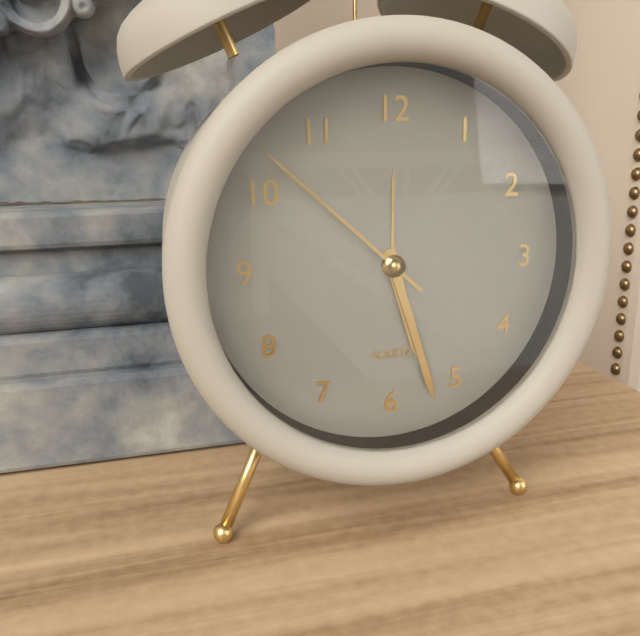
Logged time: 5:27:52
